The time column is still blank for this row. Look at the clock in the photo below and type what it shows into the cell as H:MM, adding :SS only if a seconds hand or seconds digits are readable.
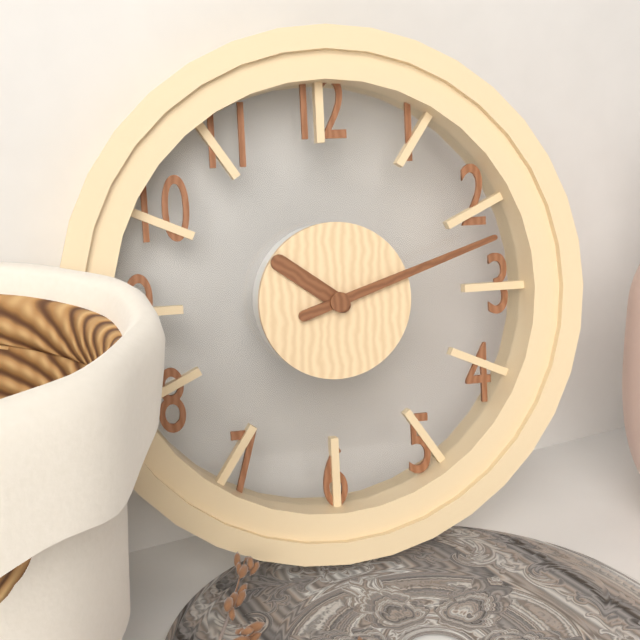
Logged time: 10:12
